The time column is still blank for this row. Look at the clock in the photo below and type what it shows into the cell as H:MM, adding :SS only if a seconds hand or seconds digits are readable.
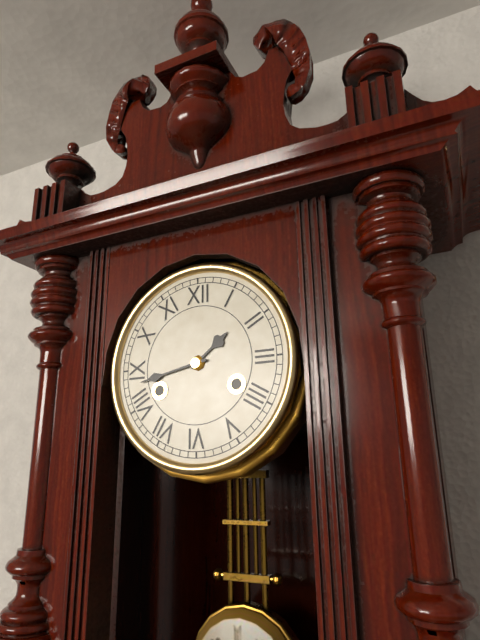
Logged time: 1:43
